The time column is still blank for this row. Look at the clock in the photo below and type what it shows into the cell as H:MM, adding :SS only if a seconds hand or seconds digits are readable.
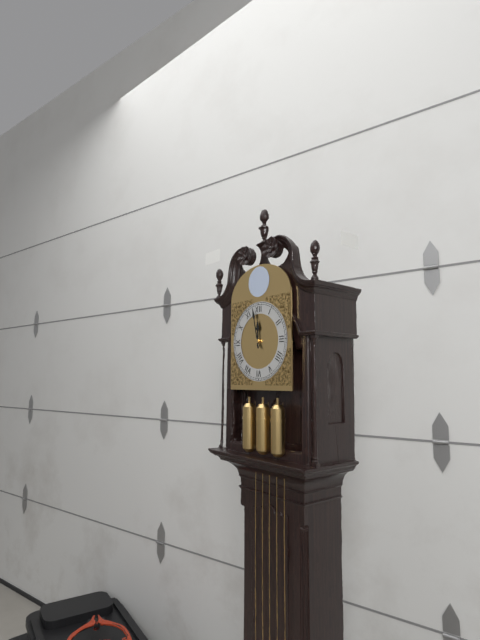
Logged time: 11:58
